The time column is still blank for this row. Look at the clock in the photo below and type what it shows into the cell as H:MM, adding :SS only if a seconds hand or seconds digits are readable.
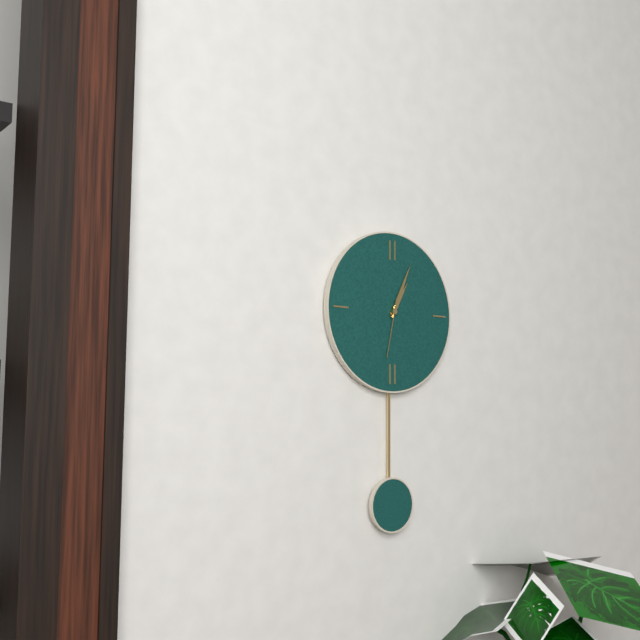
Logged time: 1:04:32
